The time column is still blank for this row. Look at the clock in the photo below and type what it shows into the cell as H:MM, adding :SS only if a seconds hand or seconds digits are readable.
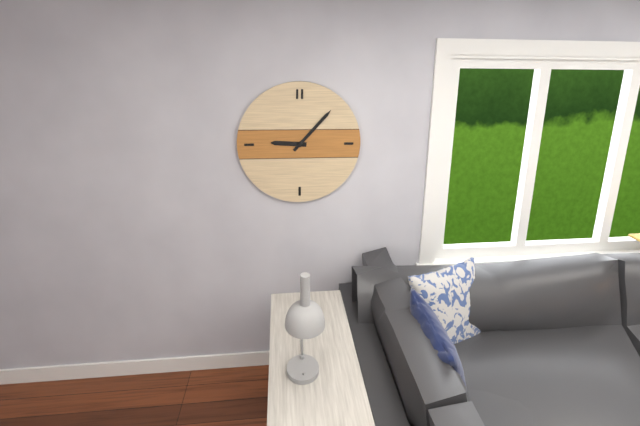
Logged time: 9:07
